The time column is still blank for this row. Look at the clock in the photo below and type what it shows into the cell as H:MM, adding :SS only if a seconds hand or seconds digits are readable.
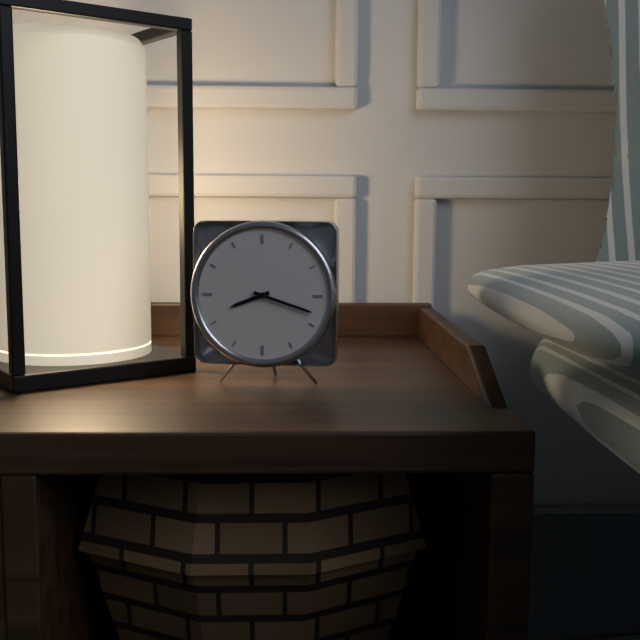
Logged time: 8:18
